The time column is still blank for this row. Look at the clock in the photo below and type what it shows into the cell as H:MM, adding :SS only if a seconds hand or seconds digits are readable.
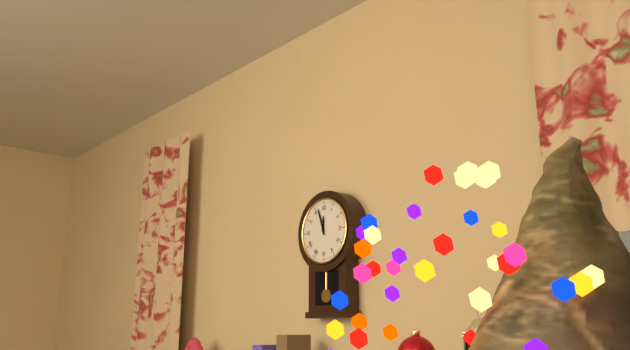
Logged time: 11:57
